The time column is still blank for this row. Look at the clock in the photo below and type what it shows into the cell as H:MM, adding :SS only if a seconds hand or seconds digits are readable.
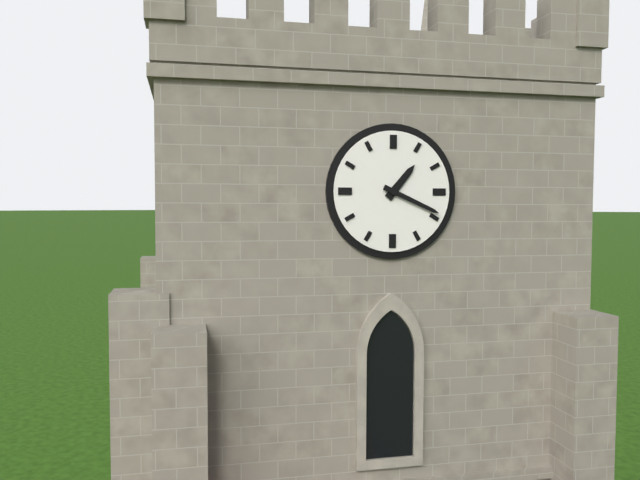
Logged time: 1:19
